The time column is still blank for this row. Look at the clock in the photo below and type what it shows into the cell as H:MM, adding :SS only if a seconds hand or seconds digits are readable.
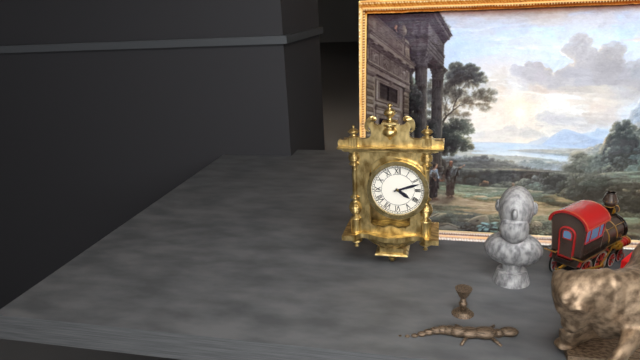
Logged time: 4:12
